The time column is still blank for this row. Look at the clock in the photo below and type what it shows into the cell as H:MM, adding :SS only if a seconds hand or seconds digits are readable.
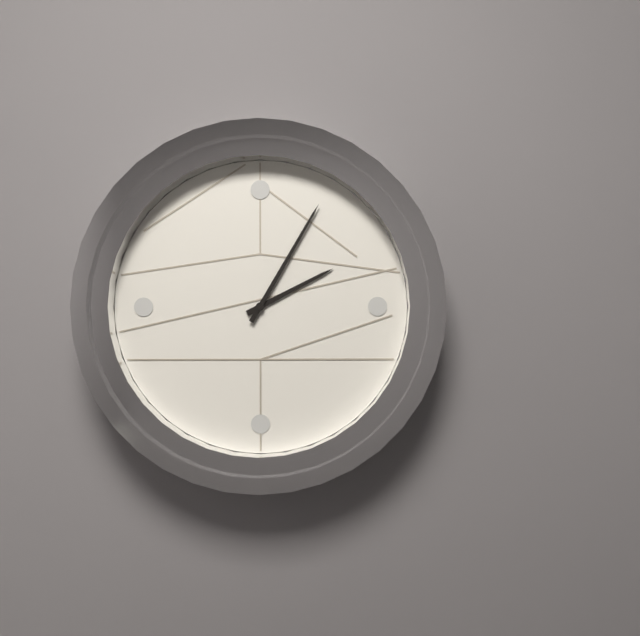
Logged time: 2:05
